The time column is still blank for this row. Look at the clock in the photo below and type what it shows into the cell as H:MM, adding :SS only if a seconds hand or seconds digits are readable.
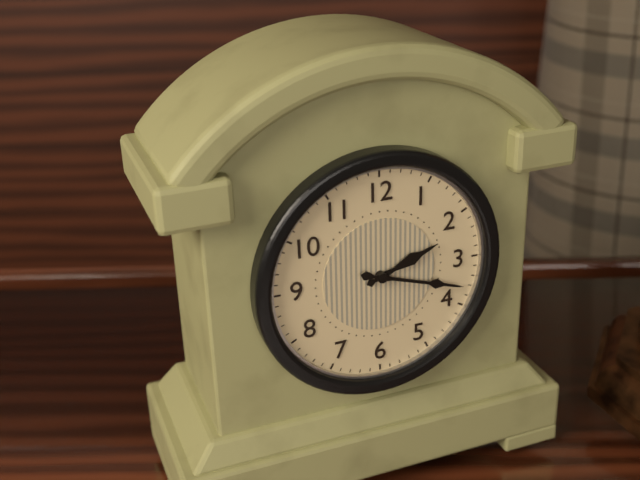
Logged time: 2:18
